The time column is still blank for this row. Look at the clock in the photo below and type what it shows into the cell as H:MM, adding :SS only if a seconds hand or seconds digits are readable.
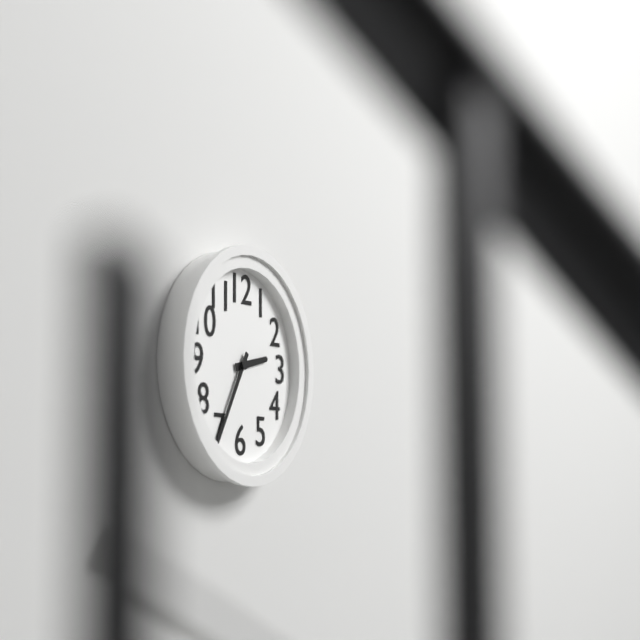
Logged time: 2:35
